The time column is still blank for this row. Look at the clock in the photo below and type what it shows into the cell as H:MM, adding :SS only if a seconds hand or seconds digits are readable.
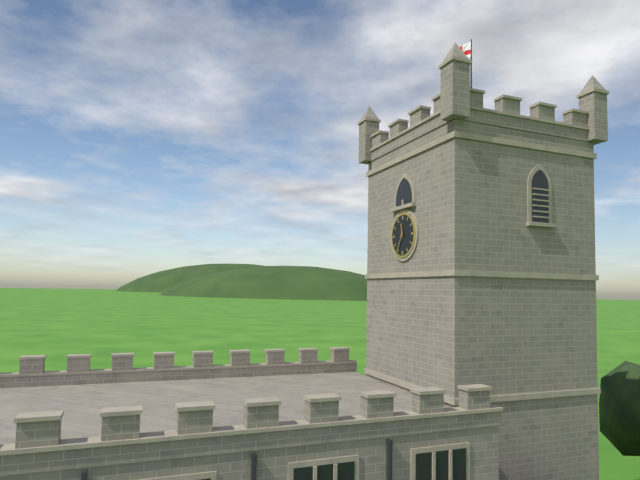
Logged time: 11:35
